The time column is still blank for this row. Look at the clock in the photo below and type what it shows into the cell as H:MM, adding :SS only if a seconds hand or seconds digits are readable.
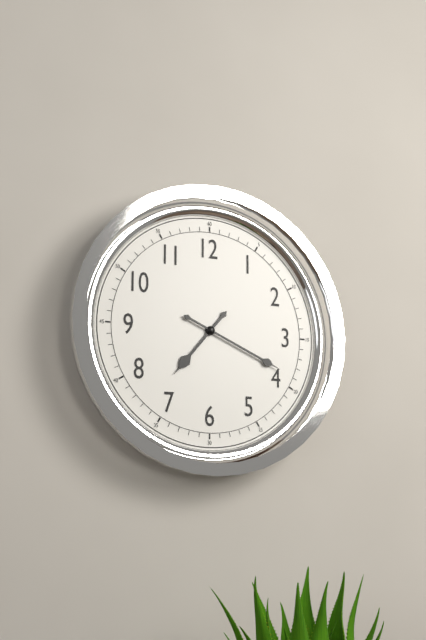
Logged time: 7:19
